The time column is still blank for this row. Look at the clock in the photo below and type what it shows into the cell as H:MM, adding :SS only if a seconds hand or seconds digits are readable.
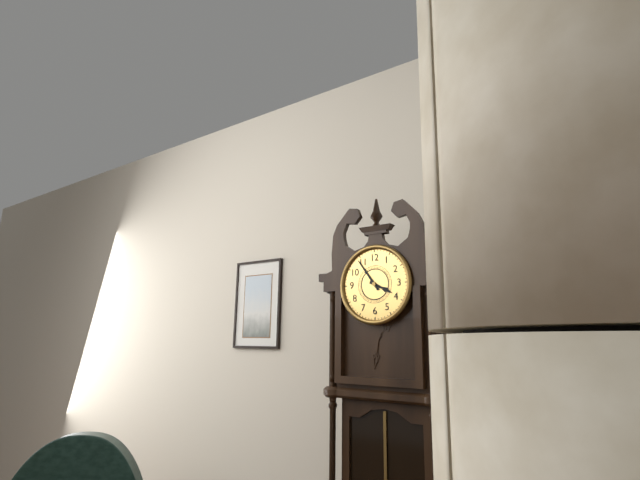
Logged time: 3:54
